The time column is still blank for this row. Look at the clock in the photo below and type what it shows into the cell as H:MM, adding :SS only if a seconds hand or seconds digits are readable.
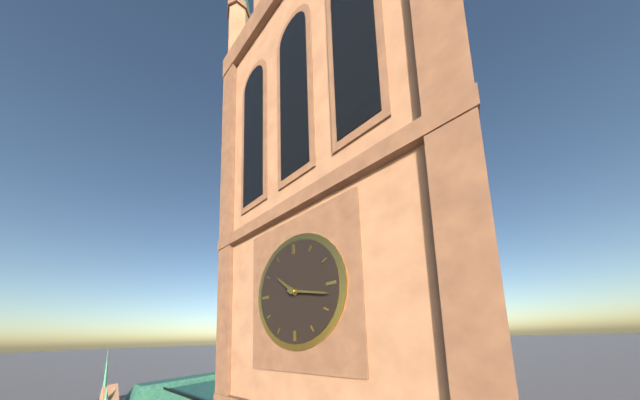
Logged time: 10:17
